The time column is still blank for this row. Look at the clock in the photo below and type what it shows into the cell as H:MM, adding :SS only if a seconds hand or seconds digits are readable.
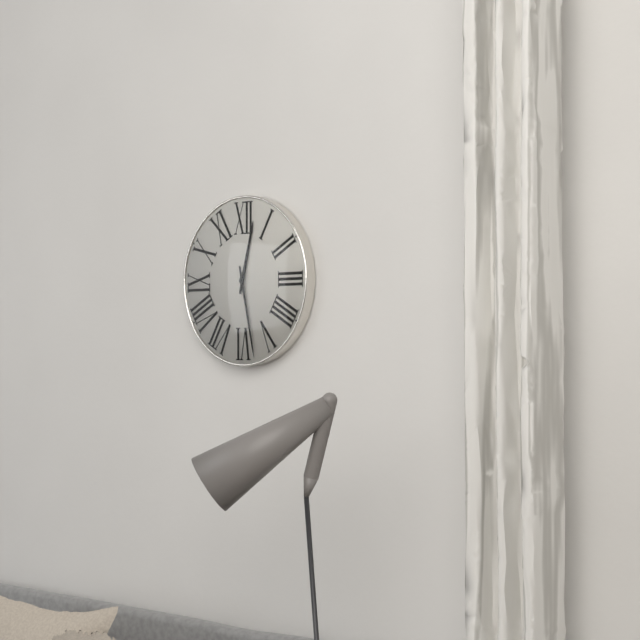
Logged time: 12:28
